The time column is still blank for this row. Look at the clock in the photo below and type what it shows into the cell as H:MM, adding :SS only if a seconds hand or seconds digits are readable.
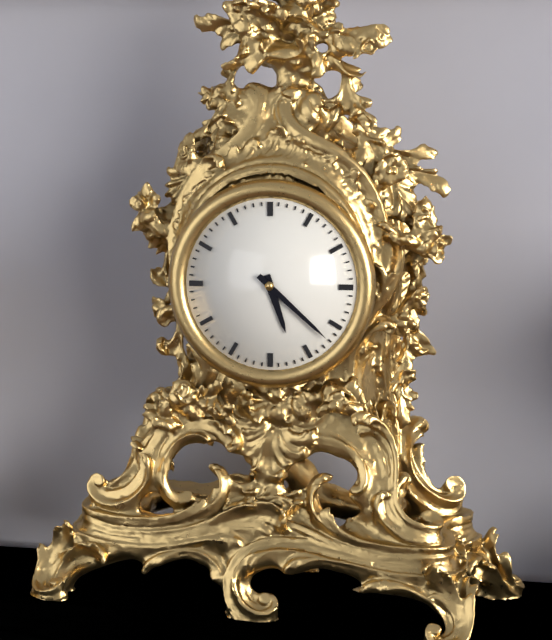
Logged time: 5:22
